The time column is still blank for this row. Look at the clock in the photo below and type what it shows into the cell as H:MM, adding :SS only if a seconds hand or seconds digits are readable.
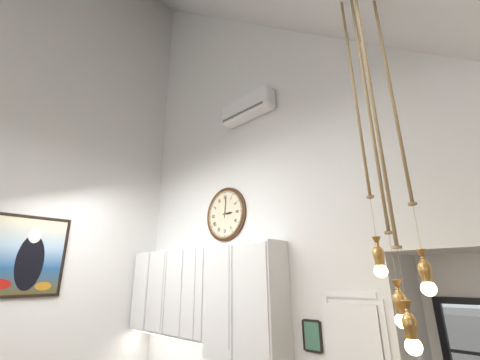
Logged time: 3:01
